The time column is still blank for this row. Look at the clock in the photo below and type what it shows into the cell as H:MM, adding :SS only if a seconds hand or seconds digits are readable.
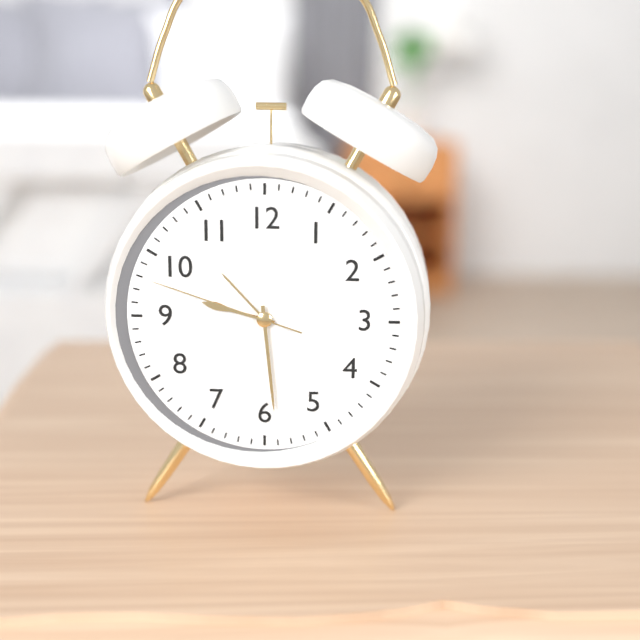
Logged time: 9:29:48
